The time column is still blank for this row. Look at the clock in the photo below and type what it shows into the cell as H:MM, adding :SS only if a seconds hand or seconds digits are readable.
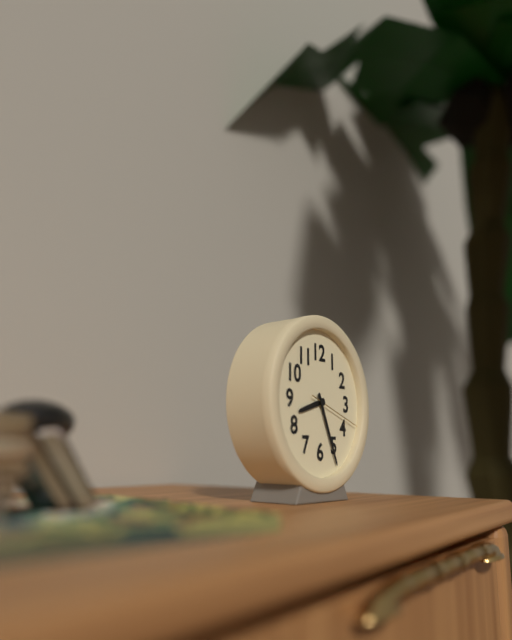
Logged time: 8:26:18
